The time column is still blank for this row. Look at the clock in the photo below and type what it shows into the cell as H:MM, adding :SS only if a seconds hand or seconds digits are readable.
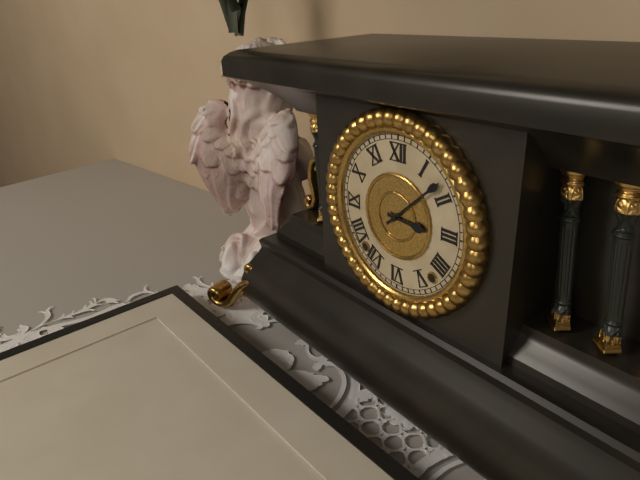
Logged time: 3:08
